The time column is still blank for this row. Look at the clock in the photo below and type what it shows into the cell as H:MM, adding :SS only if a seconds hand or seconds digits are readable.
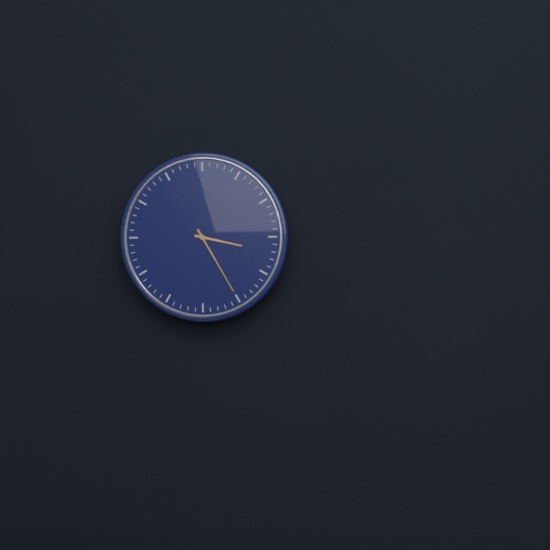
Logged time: 3:25
